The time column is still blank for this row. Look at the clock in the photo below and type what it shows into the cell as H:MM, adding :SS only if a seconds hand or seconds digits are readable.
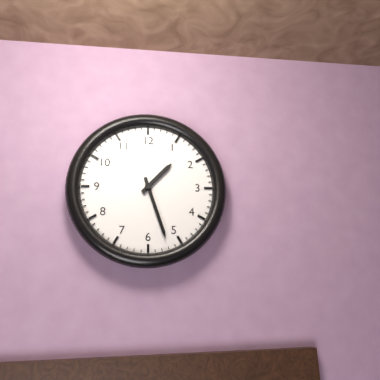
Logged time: 1:27
